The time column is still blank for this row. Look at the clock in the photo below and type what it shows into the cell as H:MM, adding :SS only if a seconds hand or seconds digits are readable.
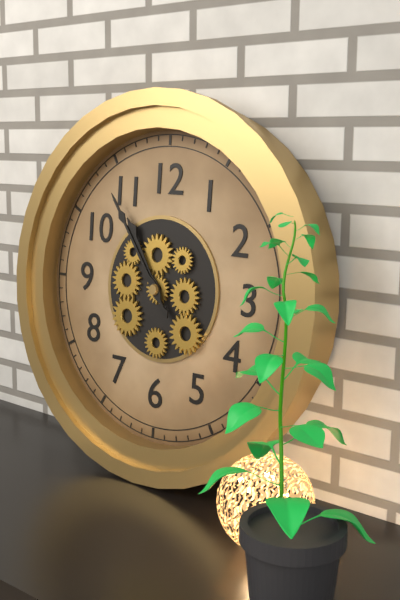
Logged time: 10:54
